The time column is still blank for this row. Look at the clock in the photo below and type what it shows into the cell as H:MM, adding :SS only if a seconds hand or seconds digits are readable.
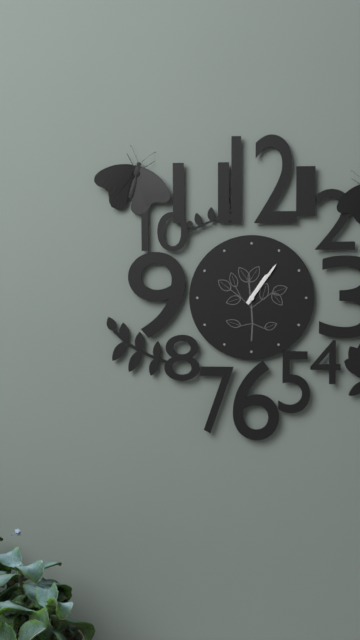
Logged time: 1:06
